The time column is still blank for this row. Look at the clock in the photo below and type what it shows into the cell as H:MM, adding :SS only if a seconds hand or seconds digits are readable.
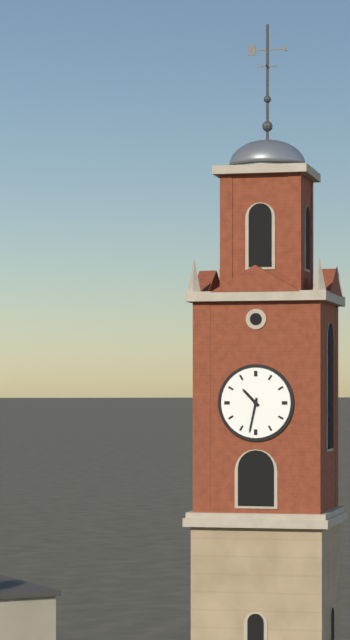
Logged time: 10:32
